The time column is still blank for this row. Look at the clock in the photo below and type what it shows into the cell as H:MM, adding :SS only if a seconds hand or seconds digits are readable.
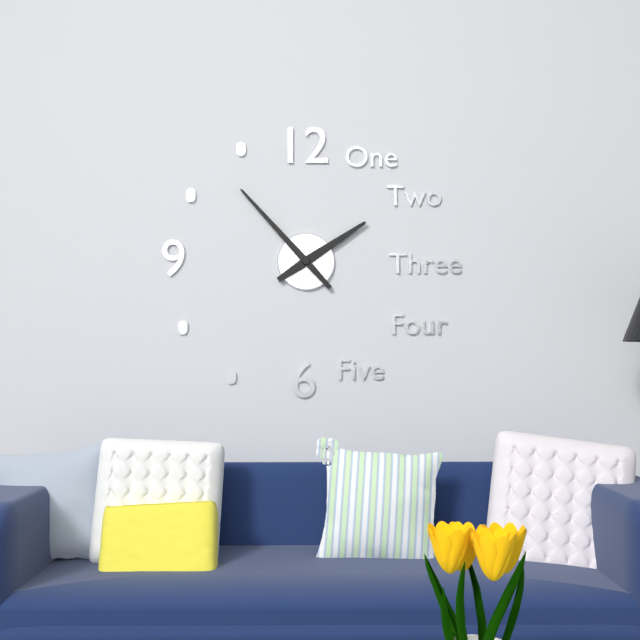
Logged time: 1:53
